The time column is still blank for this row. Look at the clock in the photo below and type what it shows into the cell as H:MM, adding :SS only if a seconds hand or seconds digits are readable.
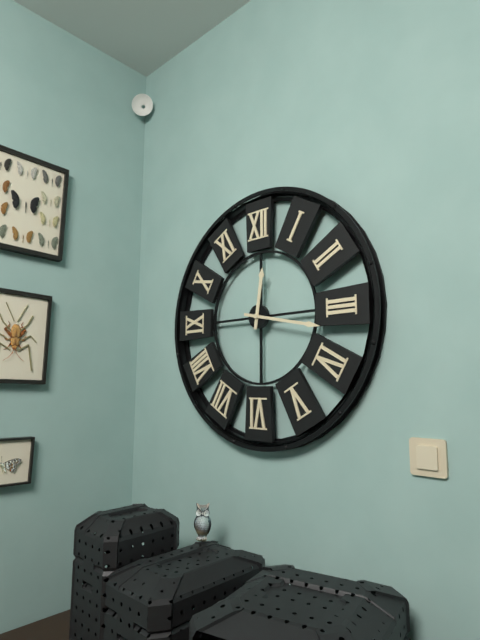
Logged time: 12:17
